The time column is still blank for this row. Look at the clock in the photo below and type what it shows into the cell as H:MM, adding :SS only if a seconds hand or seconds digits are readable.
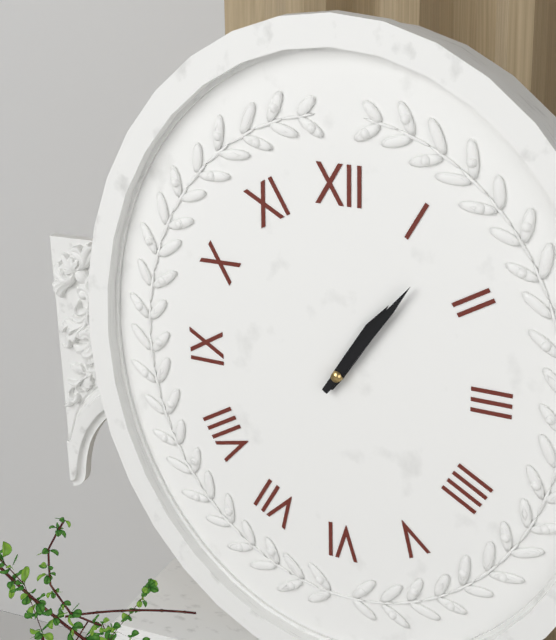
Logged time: 1:06
